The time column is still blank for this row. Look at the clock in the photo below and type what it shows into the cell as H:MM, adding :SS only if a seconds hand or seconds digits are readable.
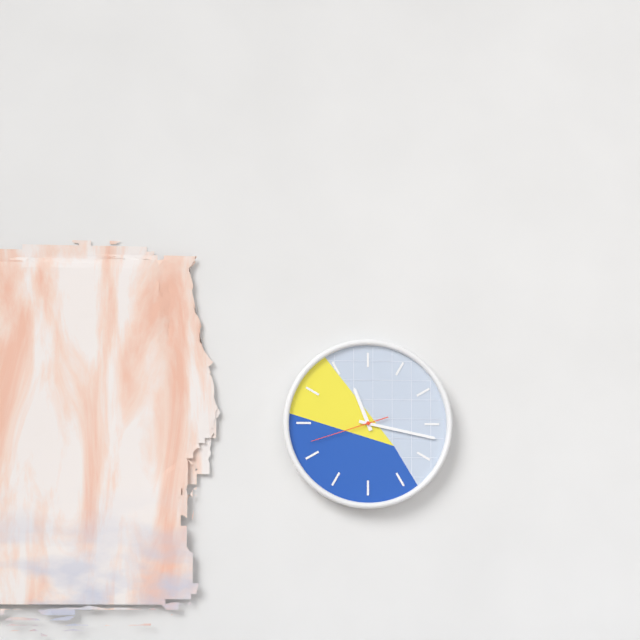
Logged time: 11:17:42
